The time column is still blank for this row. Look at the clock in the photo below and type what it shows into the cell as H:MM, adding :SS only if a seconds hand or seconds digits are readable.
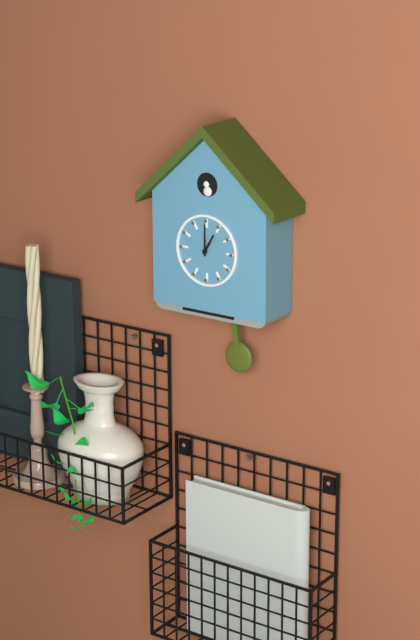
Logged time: 1:00
